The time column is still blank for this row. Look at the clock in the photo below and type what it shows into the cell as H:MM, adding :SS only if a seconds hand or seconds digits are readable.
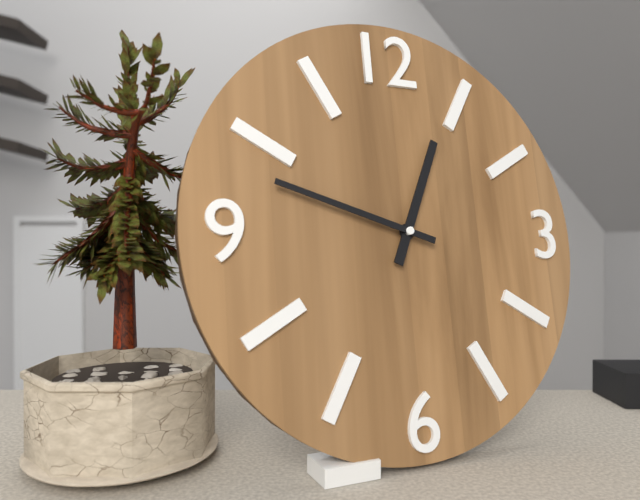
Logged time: 12:48
